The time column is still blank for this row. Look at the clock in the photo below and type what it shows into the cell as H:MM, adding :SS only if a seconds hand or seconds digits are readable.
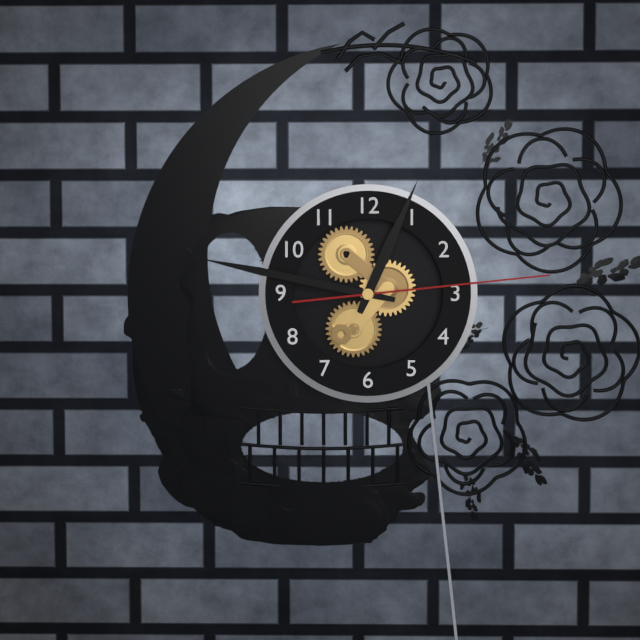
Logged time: 12:47:14
